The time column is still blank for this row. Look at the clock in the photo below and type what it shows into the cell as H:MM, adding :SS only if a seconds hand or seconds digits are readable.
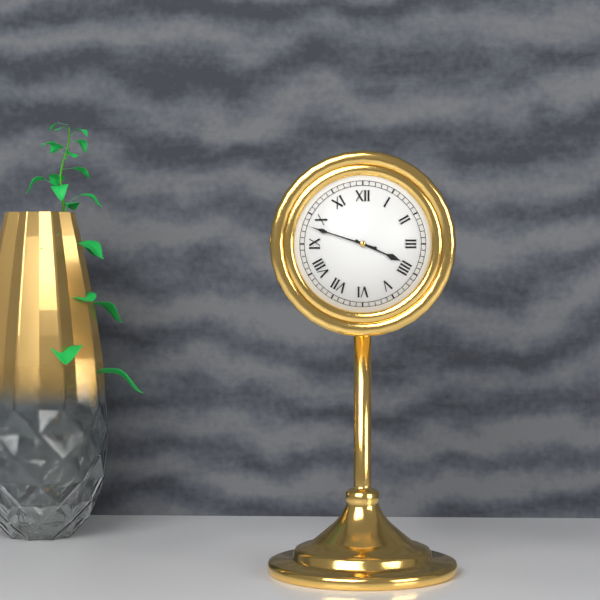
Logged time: 3:48
